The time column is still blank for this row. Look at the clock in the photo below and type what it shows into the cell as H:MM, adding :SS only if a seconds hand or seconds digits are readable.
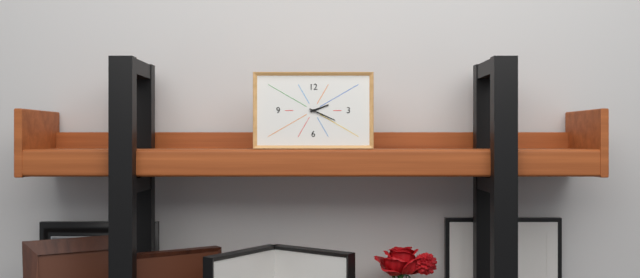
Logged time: 2:19
